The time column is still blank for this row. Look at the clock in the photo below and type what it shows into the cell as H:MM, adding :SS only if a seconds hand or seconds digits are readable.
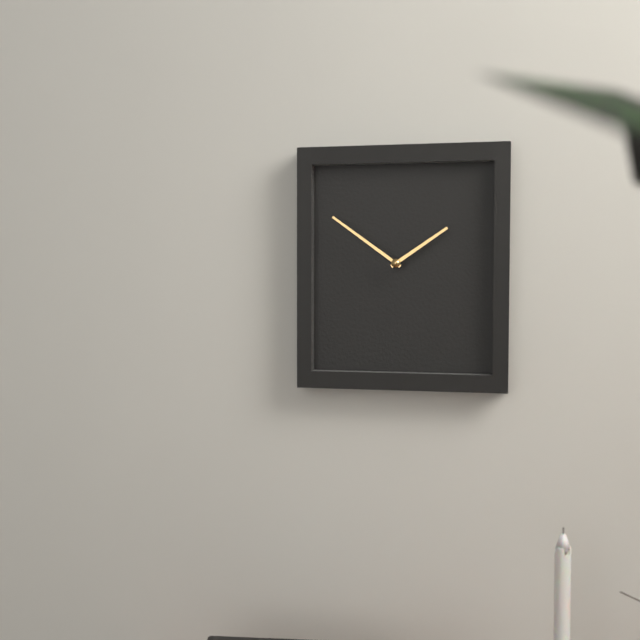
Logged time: 1:51
